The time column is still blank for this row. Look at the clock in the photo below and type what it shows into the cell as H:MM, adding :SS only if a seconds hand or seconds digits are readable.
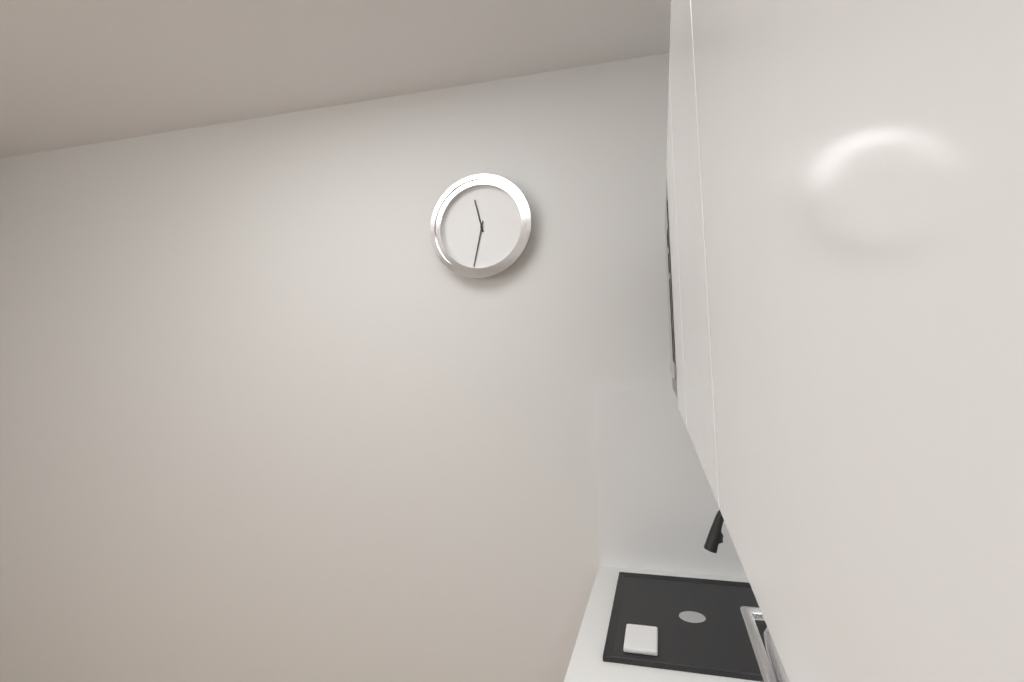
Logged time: 11:32
